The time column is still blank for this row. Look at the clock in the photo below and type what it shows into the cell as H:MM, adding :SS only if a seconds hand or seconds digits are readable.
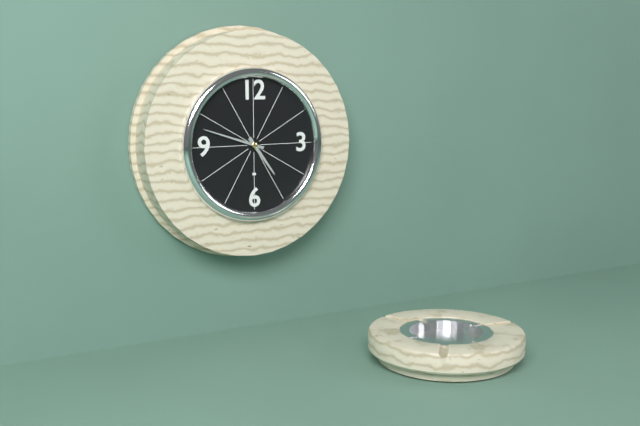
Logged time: 4:48
